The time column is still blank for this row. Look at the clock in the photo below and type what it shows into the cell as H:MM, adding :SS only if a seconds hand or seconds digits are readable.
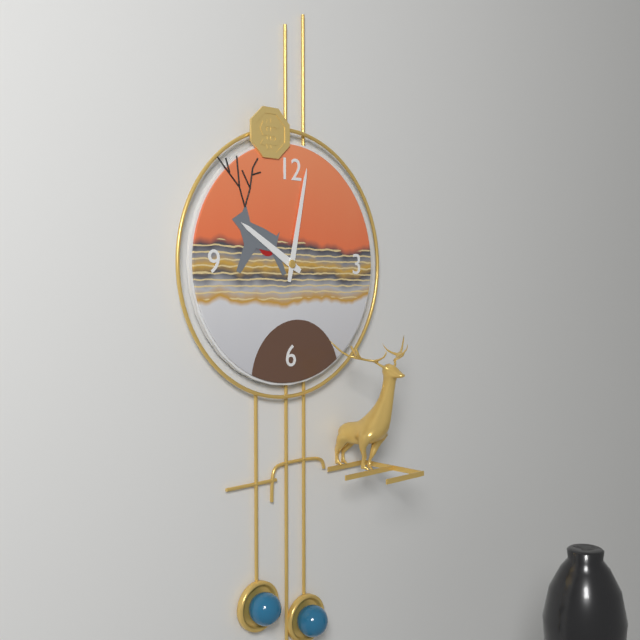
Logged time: 10:02
